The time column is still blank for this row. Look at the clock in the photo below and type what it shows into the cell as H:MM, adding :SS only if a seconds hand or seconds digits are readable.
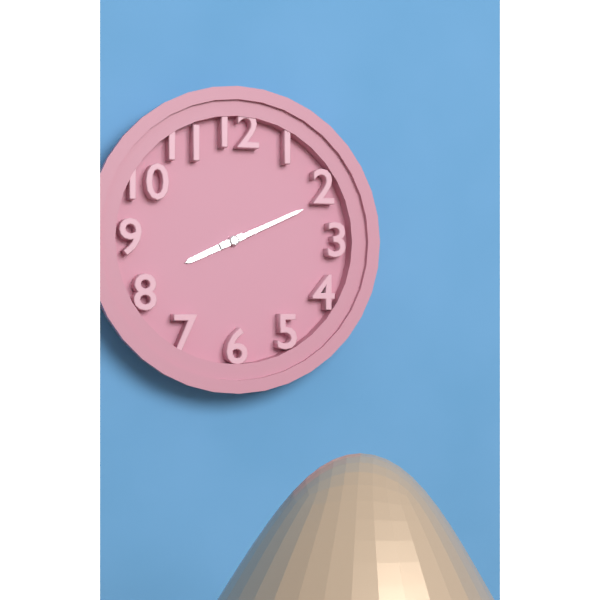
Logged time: 8:11
